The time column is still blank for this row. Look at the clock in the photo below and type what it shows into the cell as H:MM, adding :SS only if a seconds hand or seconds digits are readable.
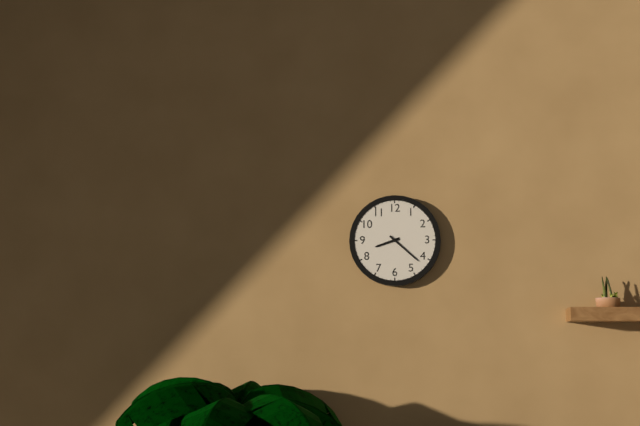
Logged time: 8:22
